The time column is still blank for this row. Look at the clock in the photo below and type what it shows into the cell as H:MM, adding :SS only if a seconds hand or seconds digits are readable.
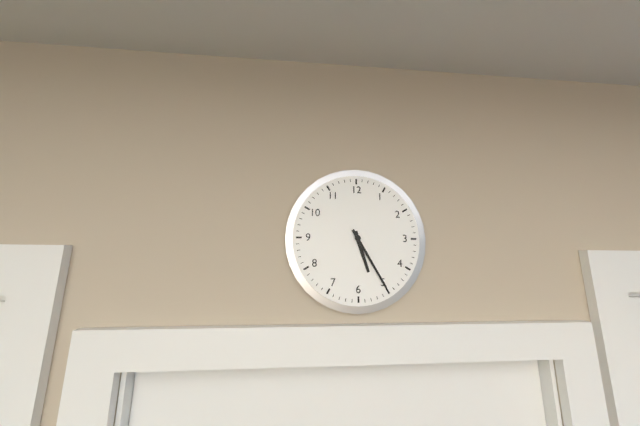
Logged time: 5:25
